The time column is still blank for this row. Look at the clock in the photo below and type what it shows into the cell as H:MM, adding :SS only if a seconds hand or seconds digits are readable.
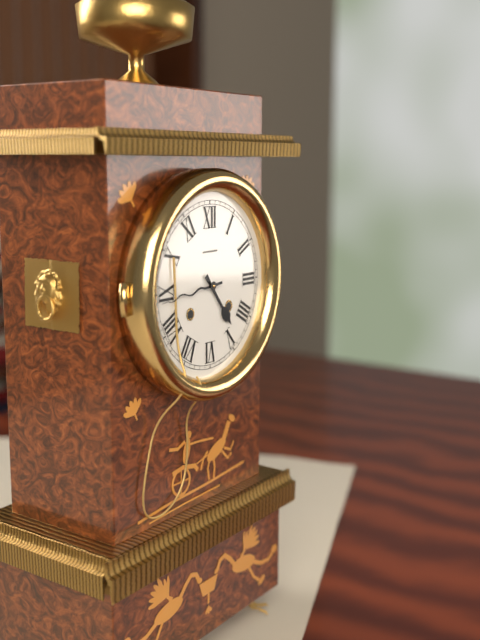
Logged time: 4:44
